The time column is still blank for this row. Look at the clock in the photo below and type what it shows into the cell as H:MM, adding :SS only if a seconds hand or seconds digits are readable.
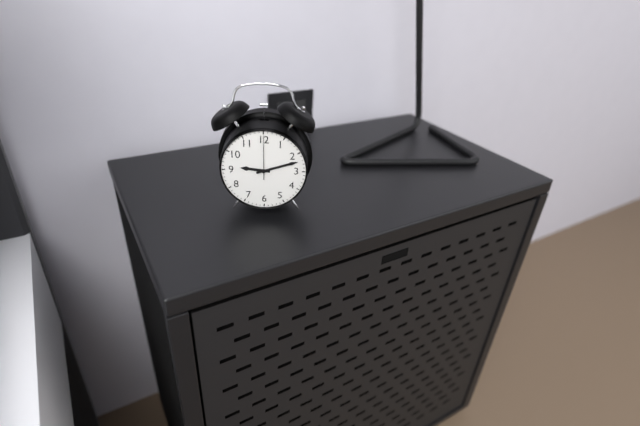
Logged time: 9:12
